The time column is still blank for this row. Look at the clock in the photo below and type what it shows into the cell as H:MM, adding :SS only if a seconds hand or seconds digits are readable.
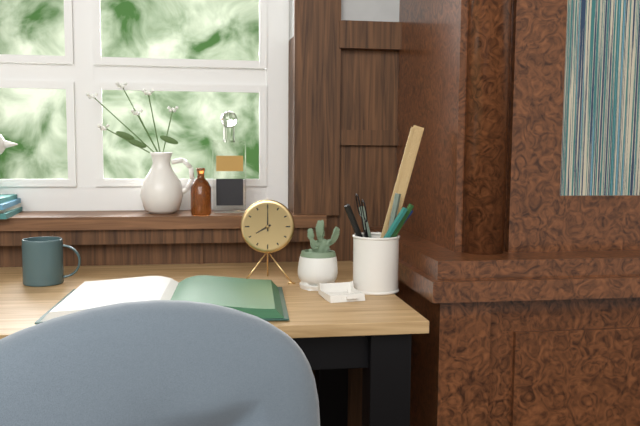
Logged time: 8:00
